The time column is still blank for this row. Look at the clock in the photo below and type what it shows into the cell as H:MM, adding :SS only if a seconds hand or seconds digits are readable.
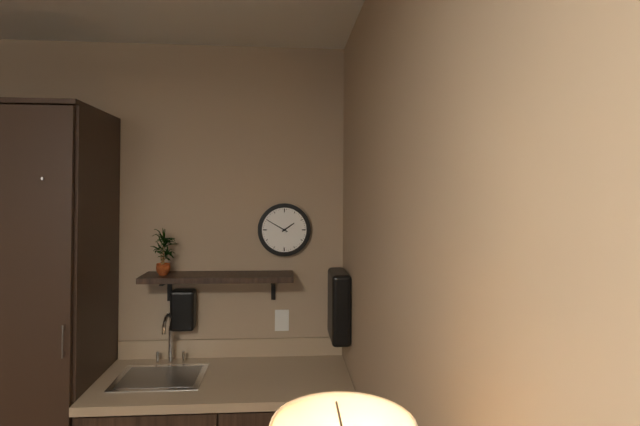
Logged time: 1:50
